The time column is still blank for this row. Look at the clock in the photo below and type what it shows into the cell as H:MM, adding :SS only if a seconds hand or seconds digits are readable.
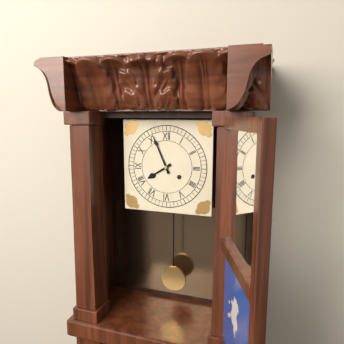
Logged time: 7:56
